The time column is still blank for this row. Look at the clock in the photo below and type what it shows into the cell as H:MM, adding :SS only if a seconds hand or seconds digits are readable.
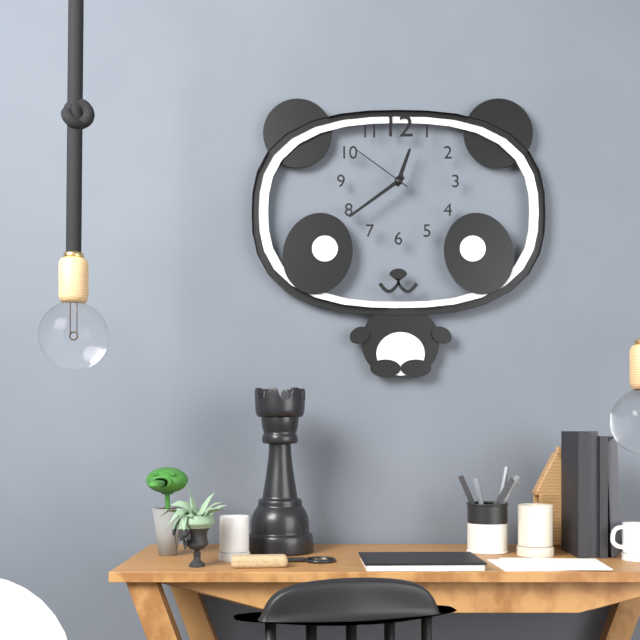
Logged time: 12:39:51
